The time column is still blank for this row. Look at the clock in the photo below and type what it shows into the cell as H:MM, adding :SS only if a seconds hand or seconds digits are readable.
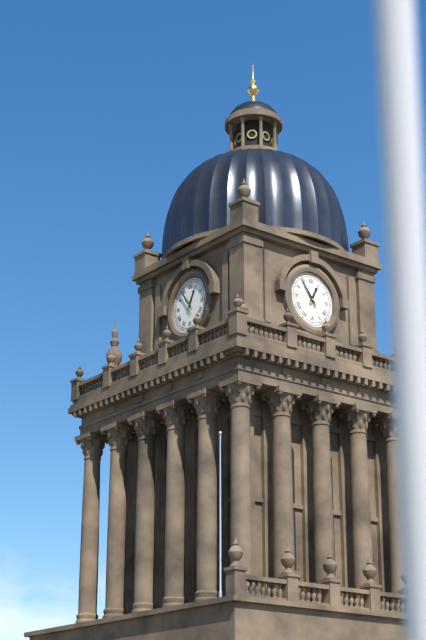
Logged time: 12:54
